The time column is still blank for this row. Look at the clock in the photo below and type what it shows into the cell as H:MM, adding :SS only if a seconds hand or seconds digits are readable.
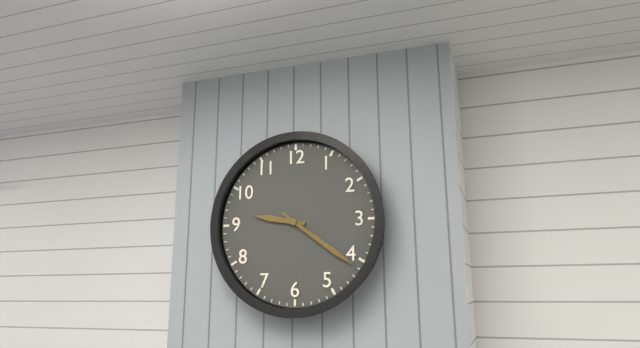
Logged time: 9:21
